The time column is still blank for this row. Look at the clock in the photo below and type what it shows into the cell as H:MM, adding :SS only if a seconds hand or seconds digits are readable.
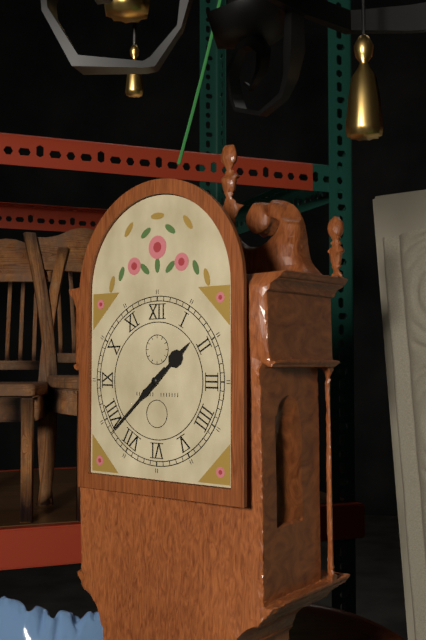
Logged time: 1:38
